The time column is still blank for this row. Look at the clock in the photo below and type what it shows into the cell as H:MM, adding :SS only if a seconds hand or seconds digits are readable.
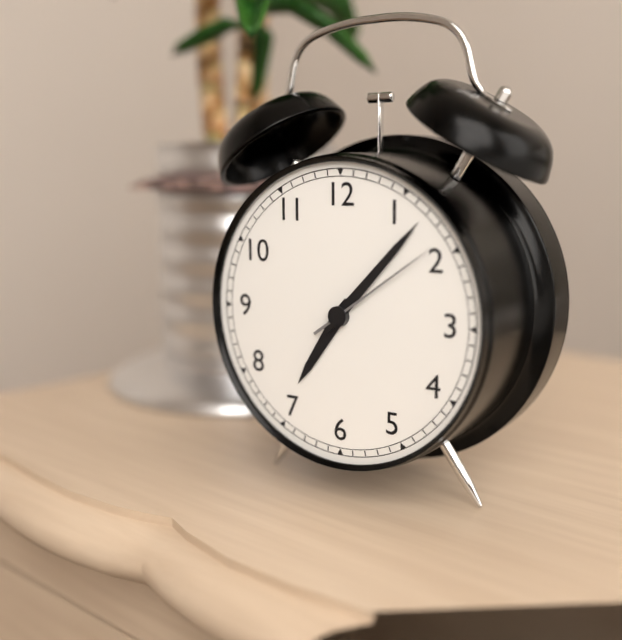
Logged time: 7:07:09
